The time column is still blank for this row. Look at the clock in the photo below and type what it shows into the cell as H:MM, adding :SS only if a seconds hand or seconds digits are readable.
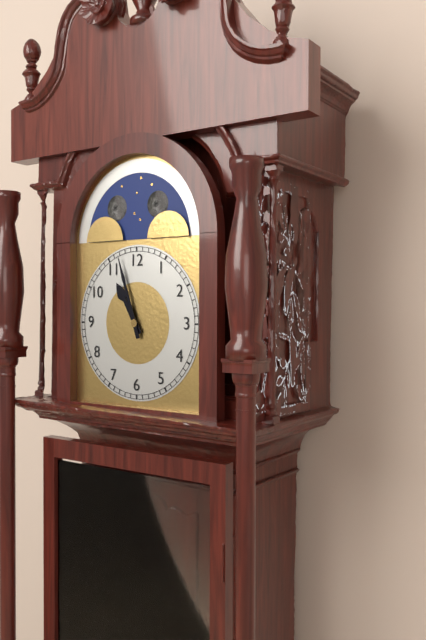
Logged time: 10:57
